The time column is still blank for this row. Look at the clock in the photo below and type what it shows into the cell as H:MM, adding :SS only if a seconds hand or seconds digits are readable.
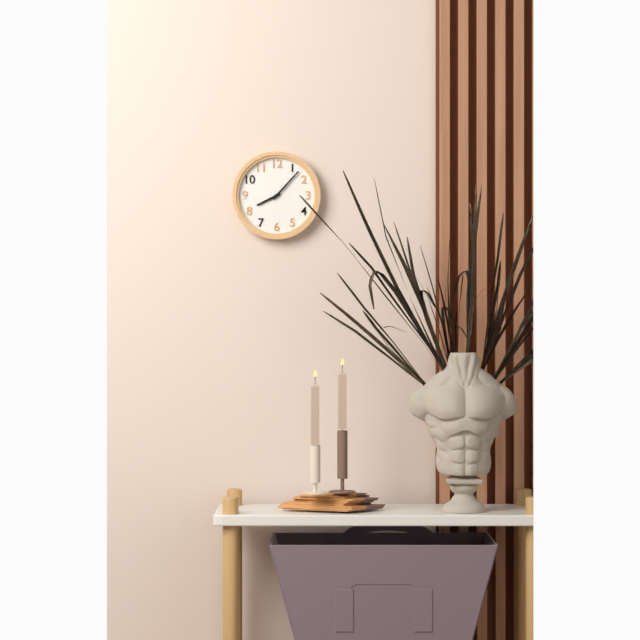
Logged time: 8:07
